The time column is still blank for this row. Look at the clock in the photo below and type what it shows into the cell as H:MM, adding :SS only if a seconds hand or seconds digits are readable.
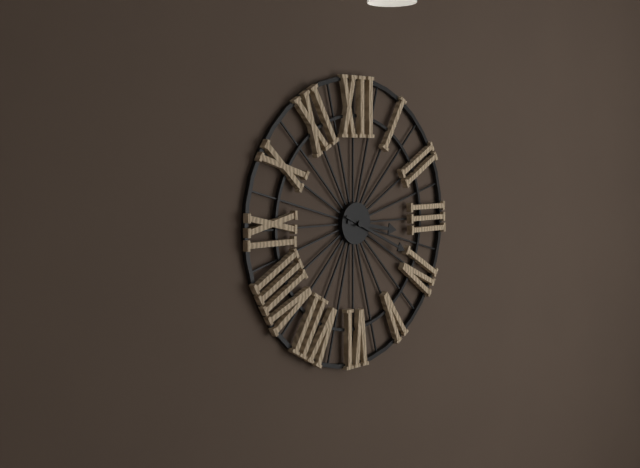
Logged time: 3:19
